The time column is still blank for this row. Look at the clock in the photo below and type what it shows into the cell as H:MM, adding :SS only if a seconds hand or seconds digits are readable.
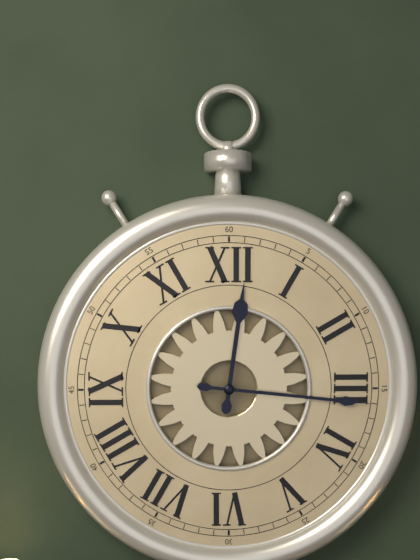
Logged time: 12:16
